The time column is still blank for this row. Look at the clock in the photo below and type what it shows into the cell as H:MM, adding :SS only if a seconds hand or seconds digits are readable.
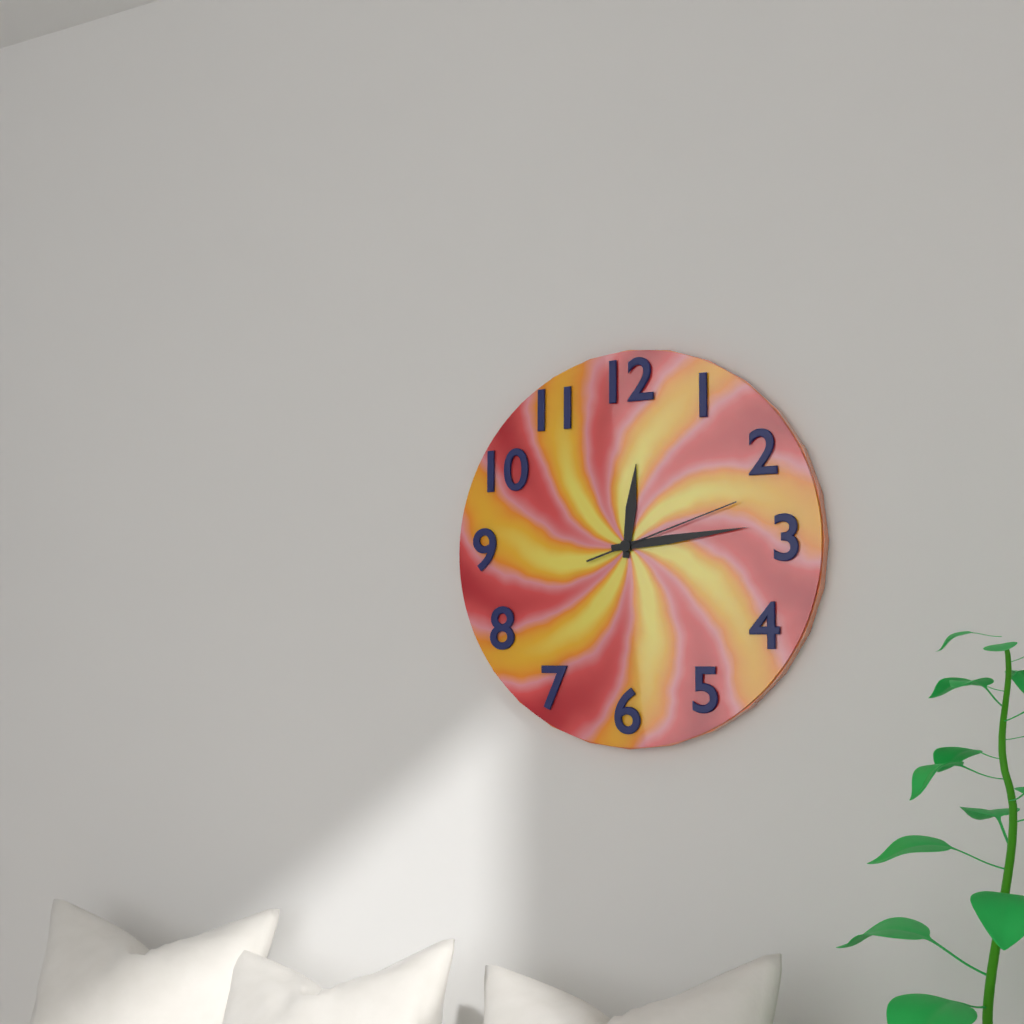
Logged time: 12:14:12
